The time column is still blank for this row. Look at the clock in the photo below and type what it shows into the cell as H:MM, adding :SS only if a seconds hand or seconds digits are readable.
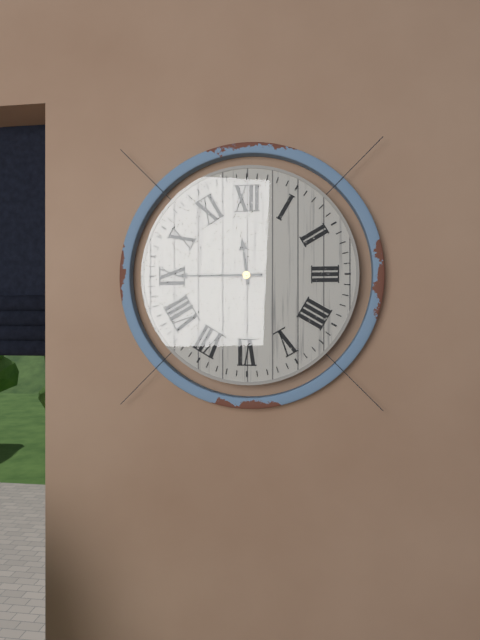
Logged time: 11:45
